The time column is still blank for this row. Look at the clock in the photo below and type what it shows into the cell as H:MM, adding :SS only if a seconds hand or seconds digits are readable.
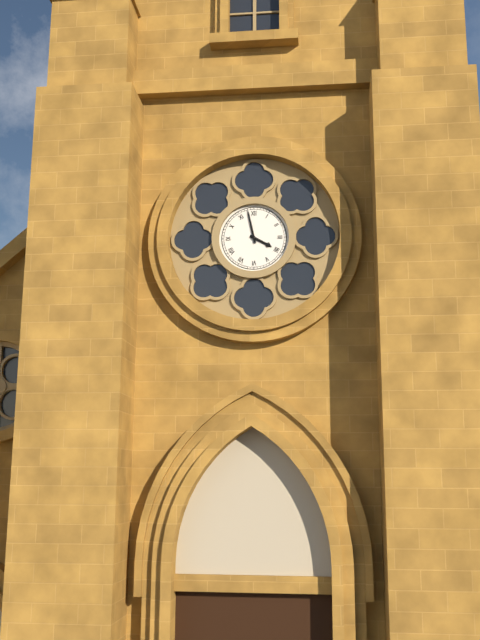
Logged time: 3:58
